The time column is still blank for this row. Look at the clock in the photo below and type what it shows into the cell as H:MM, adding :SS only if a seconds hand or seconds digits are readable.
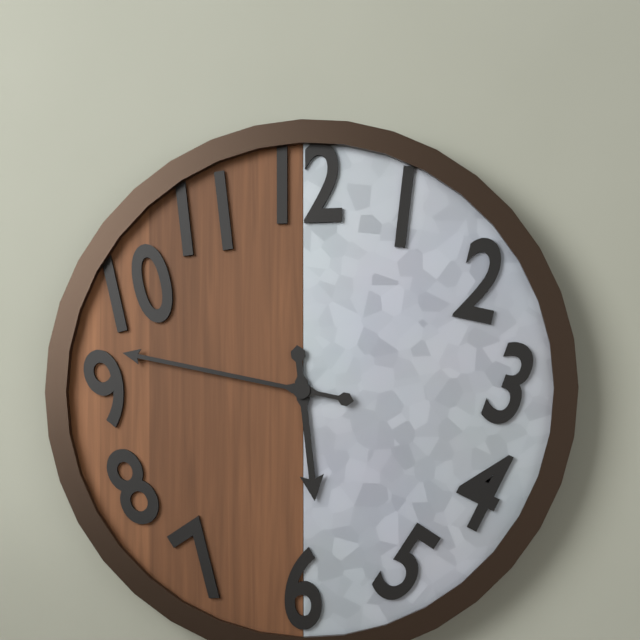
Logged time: 5:47
